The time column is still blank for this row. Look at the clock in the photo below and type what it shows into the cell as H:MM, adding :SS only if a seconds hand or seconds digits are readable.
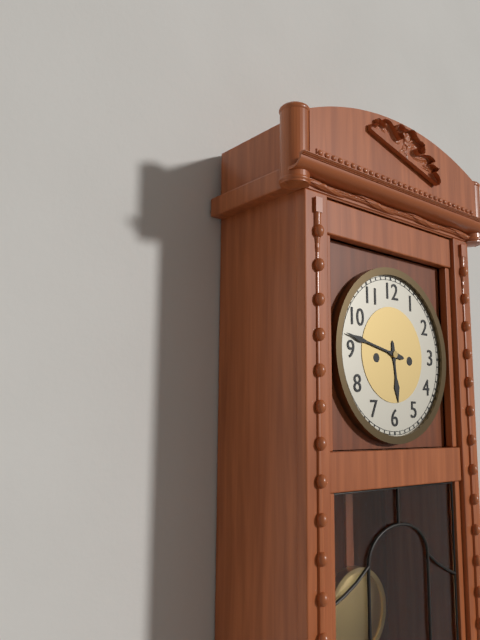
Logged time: 5:47
